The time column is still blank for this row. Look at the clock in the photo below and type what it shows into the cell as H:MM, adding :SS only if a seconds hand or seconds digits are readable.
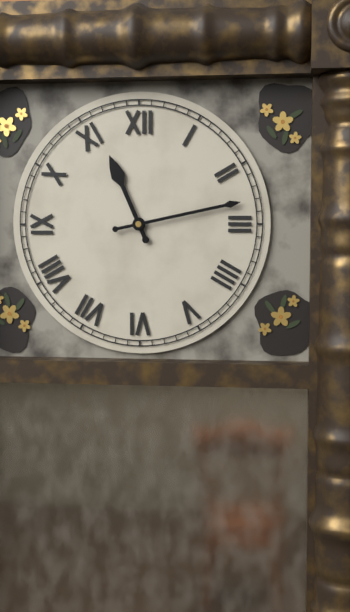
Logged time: 11:13
